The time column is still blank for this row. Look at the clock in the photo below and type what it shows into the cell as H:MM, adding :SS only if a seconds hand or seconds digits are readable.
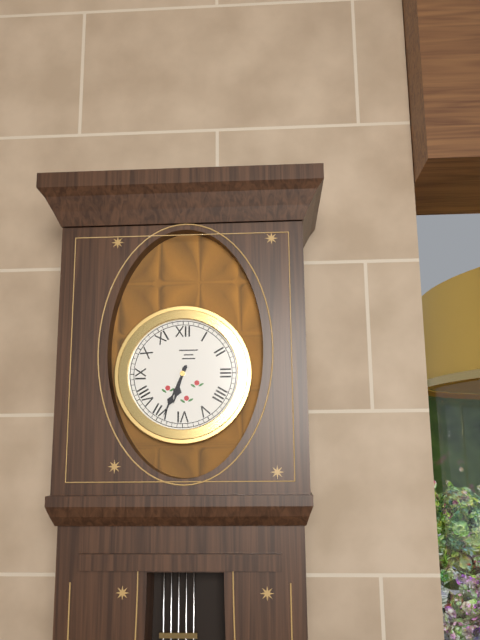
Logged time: 6:34
